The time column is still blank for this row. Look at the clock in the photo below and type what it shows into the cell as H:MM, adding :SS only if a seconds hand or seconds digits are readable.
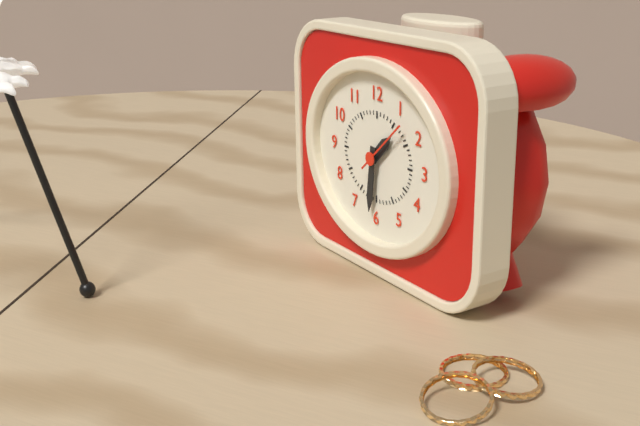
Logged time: 1:31:08
